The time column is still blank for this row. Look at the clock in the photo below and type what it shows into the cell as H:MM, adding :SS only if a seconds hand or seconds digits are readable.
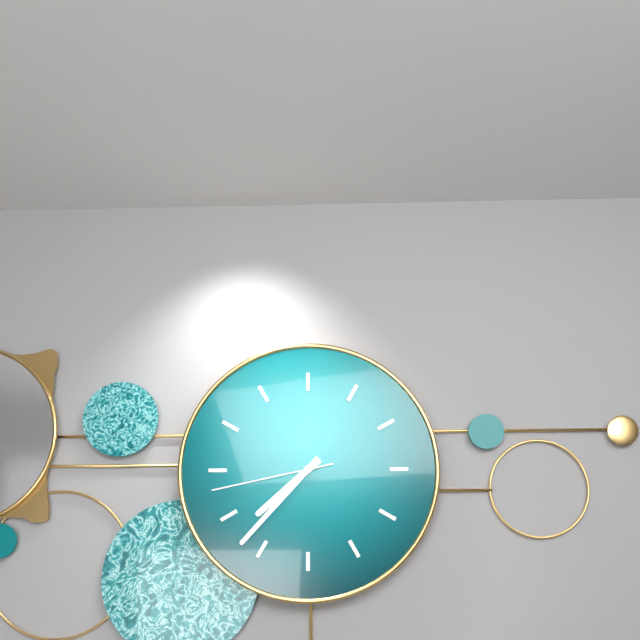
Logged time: 7:37:43
